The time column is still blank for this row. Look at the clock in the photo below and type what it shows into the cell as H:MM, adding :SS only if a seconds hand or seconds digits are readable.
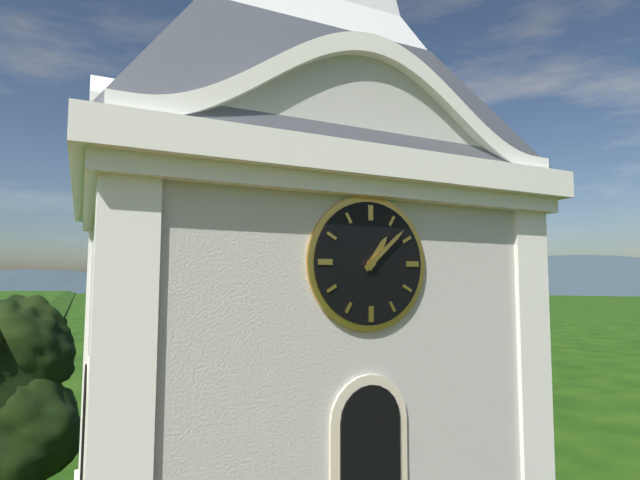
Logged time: 1:08
